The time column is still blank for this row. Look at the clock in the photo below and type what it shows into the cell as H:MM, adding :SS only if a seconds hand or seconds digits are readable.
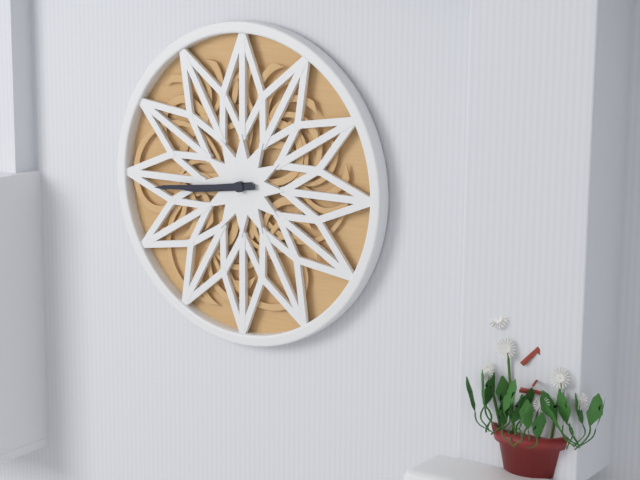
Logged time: 8:44
